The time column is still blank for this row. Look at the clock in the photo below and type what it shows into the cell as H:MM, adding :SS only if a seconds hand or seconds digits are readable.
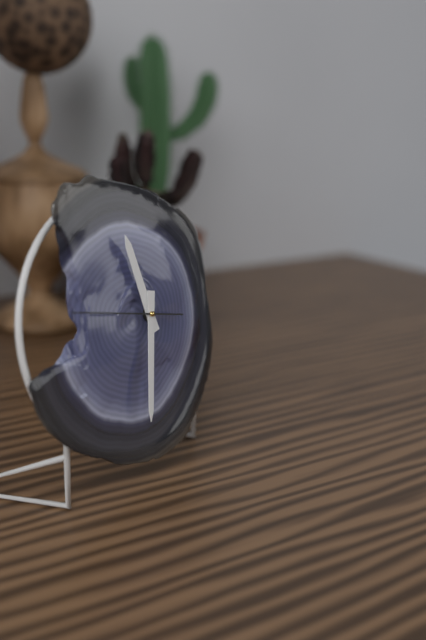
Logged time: 11:32:47
